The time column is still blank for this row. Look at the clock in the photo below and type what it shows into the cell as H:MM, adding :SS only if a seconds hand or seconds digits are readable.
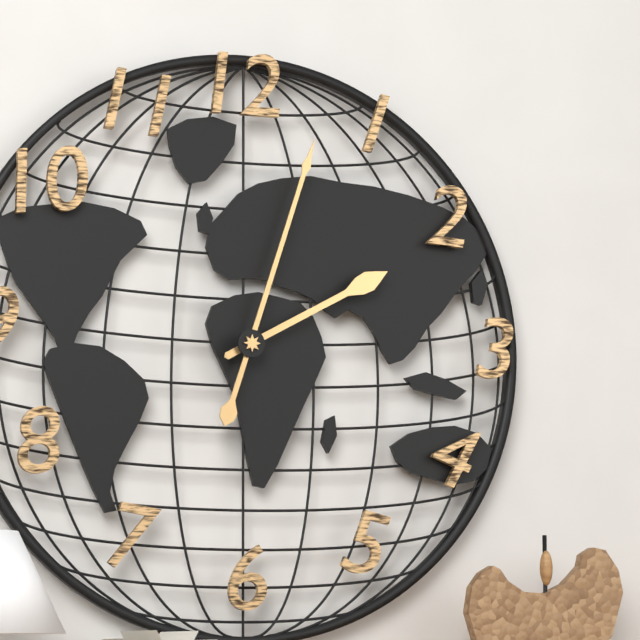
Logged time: 2:03
